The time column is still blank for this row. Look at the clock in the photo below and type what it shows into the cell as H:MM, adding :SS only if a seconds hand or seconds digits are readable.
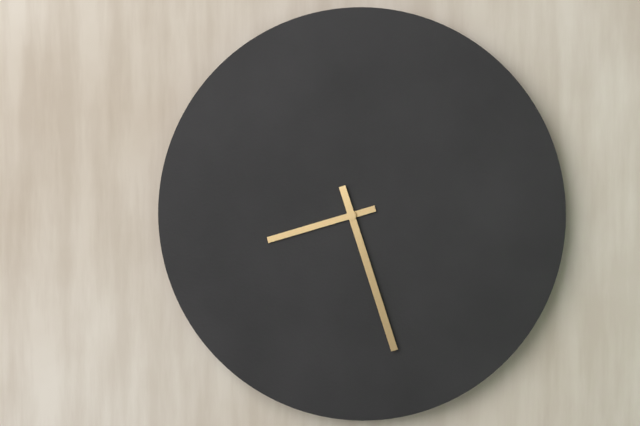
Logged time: 8:27
